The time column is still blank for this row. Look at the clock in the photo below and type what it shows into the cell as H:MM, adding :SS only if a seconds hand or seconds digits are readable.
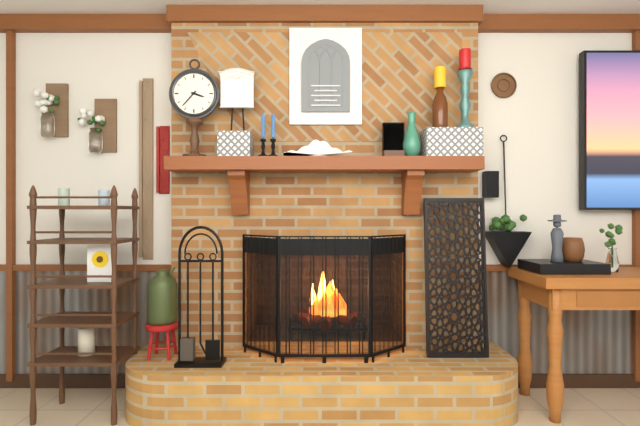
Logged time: 3:37
